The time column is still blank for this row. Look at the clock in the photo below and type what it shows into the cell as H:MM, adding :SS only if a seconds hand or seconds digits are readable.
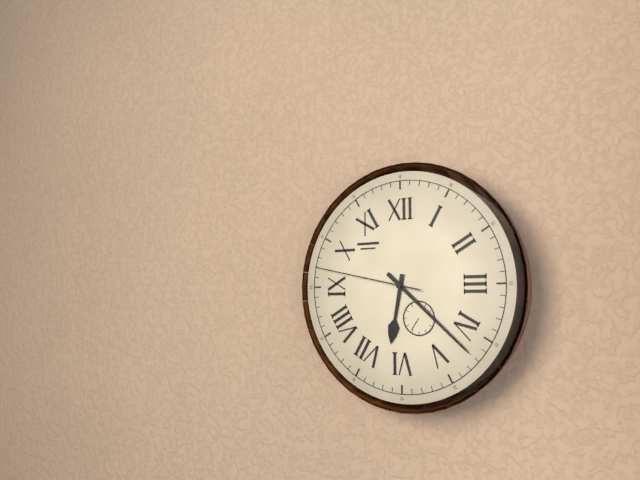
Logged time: 6:22:47
